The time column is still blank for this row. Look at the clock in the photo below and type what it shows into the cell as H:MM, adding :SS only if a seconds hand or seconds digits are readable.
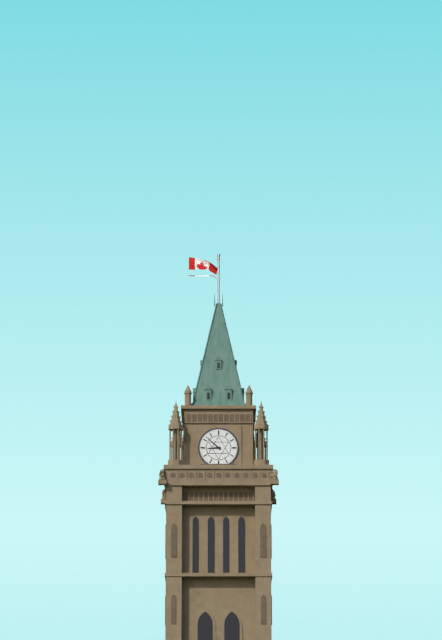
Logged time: 8:52
